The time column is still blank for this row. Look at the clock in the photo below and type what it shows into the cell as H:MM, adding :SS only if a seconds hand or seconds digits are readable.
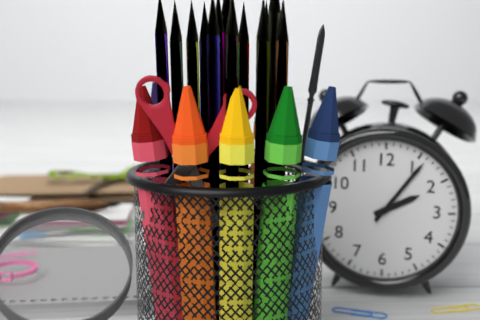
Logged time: 2:06
